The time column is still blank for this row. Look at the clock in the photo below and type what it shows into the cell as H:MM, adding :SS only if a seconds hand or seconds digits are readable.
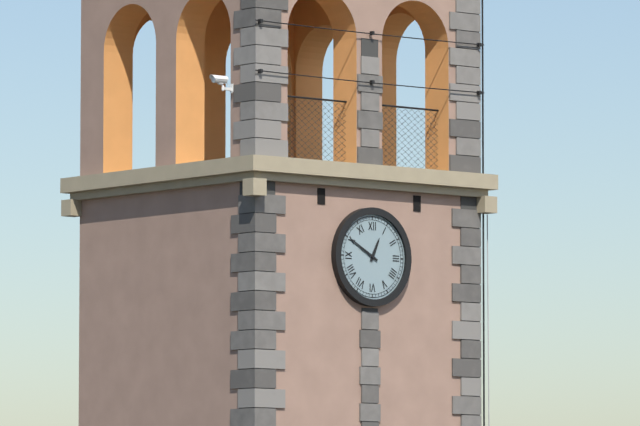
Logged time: 12:50
